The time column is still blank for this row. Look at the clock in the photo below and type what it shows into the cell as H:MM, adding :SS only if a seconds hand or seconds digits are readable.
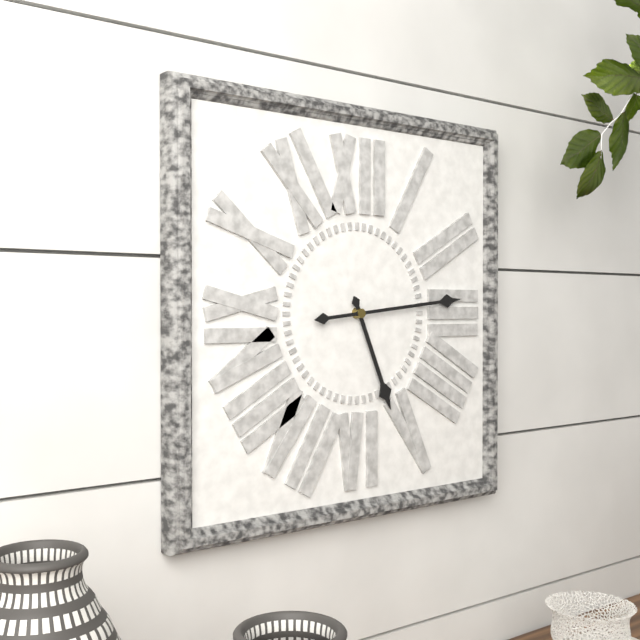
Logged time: 5:14
